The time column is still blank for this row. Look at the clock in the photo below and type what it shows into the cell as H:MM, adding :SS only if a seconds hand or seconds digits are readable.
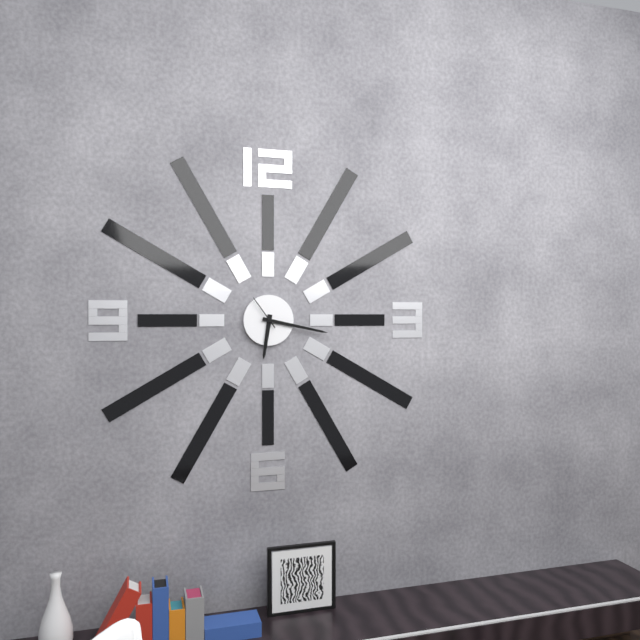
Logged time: 6:17
